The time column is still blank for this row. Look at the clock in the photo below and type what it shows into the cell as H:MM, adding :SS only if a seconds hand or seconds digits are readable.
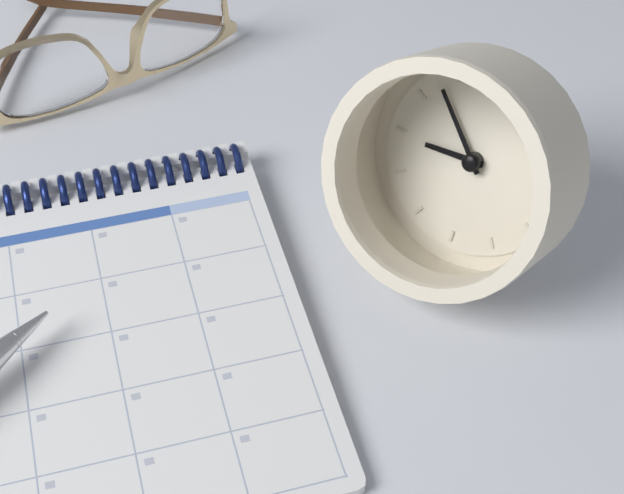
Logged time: 8:53
